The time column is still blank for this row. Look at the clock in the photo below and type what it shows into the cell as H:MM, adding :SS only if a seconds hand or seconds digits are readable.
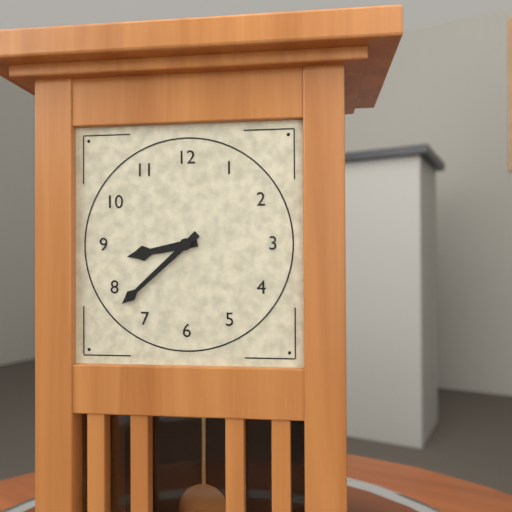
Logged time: 8:38
